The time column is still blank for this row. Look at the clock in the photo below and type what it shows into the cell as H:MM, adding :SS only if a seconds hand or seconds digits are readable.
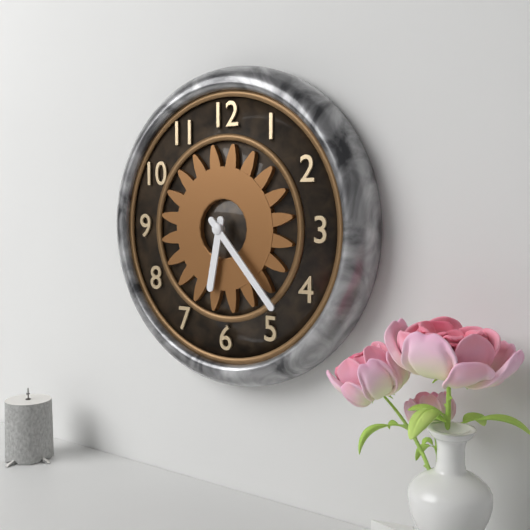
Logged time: 6:23
